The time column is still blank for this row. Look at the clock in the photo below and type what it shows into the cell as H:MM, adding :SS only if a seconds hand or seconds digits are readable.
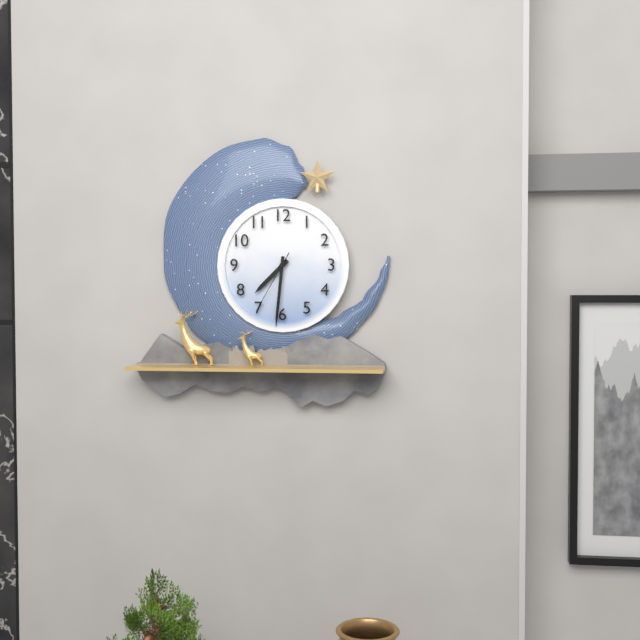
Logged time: 7:31:35
